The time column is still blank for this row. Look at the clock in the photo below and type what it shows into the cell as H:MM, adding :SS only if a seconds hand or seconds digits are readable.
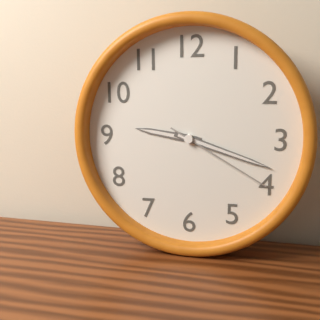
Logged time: 9:18:20
